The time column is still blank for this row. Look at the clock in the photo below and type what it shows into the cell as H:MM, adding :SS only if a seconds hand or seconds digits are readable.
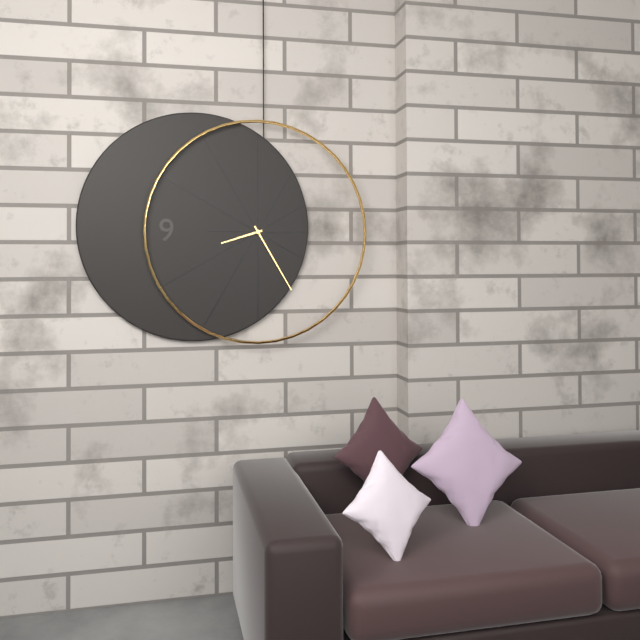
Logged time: 8:25
